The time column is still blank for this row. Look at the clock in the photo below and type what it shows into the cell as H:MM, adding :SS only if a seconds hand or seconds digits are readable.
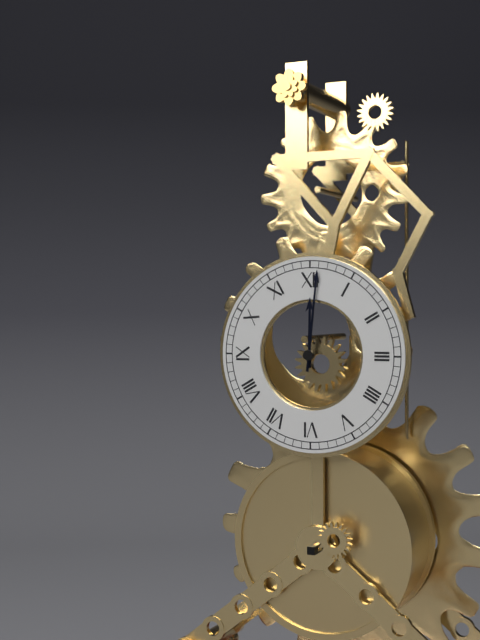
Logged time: 12:01
